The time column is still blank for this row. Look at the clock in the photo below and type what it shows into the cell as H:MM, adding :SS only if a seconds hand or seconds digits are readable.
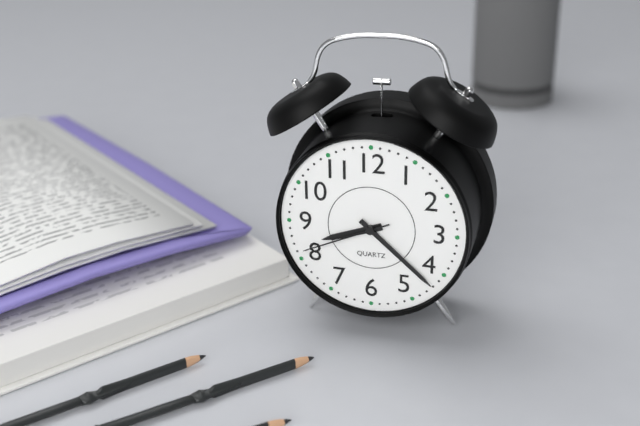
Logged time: 8:22:41
